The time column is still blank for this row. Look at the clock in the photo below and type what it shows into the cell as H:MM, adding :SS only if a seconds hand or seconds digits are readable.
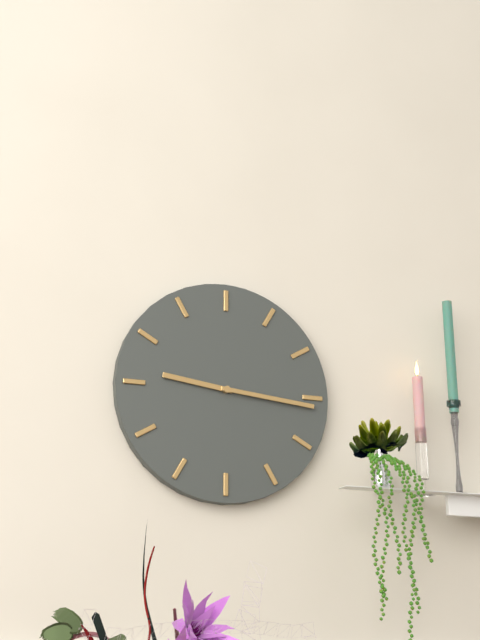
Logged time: 9:16
